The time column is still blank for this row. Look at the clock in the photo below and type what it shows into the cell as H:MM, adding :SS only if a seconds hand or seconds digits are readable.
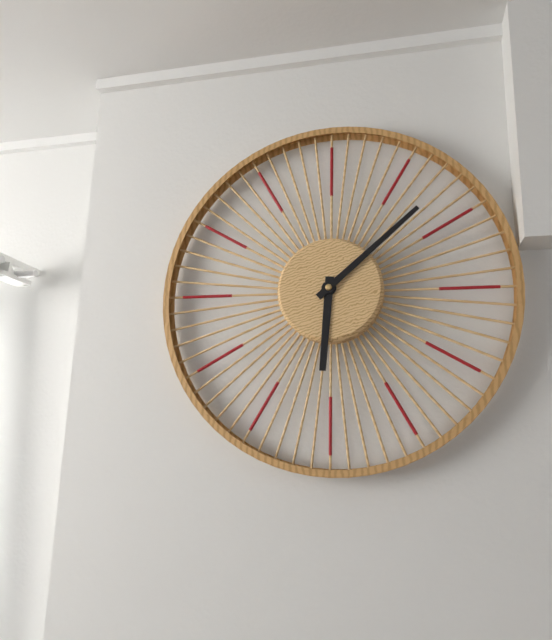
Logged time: 6:08
